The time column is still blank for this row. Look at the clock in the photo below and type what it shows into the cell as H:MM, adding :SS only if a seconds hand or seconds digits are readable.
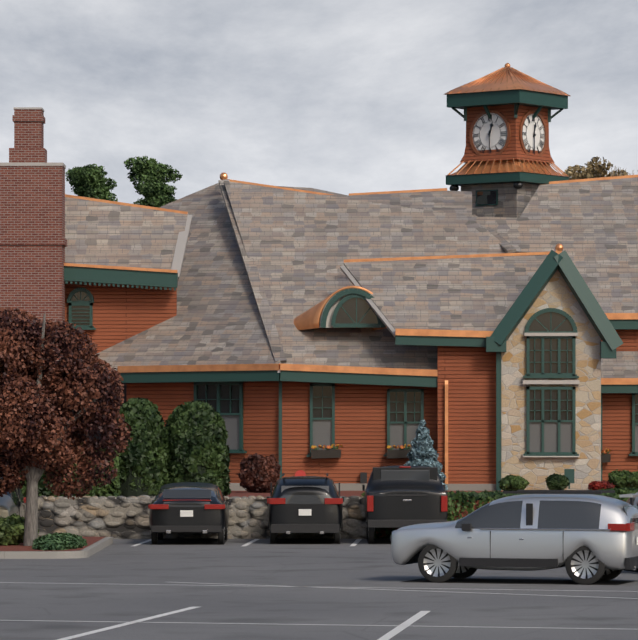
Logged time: 12:30
